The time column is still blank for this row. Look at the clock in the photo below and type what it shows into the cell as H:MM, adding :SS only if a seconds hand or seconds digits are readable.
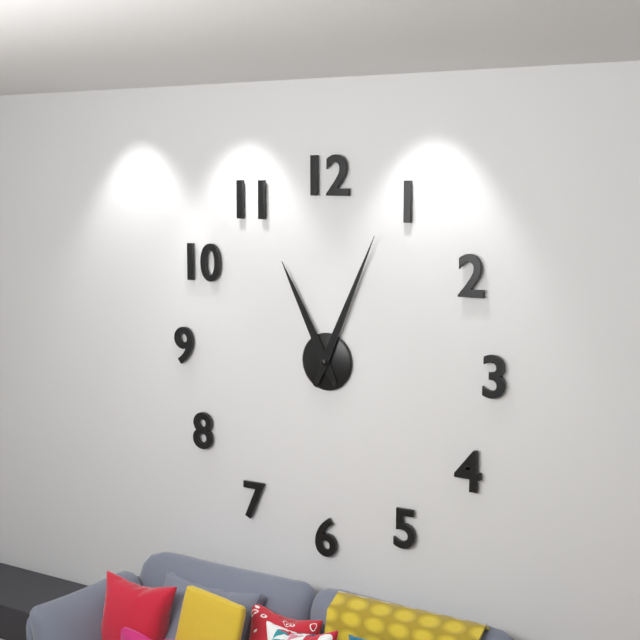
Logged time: 11:04
